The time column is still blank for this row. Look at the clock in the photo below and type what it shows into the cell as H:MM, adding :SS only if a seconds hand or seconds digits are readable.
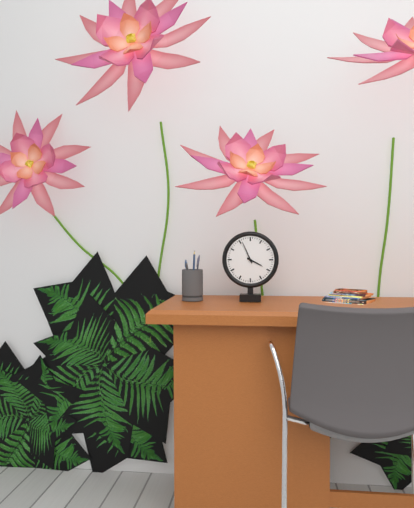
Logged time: 3:56
